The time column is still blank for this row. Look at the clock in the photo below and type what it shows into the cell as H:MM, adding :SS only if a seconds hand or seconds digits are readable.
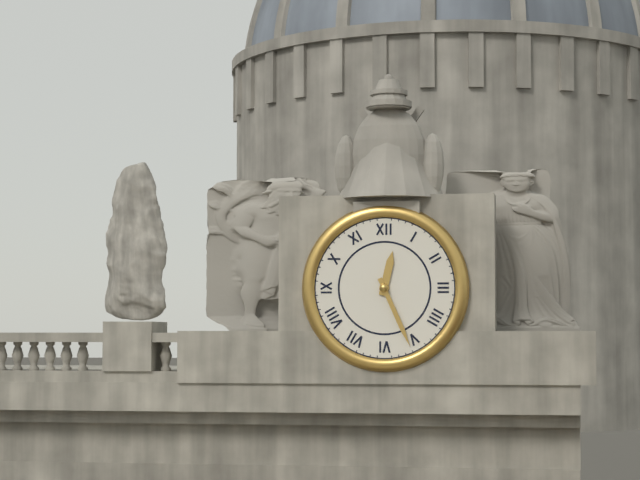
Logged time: 12:26
